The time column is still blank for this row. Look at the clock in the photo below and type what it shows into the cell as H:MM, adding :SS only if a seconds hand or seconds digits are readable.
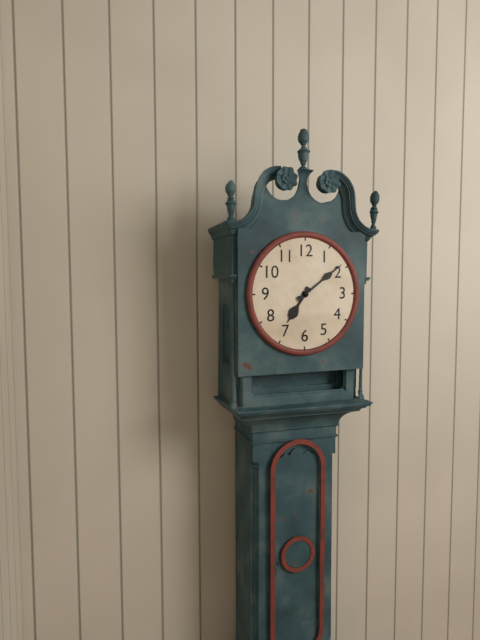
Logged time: 7:09
